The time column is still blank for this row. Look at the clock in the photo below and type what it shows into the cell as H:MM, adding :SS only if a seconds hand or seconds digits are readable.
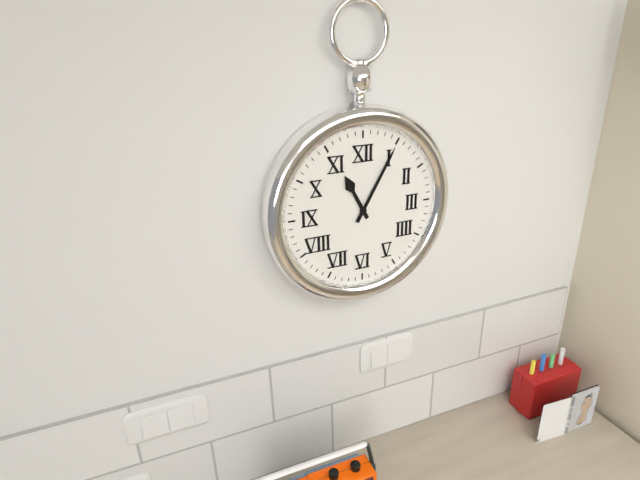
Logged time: 11:05
